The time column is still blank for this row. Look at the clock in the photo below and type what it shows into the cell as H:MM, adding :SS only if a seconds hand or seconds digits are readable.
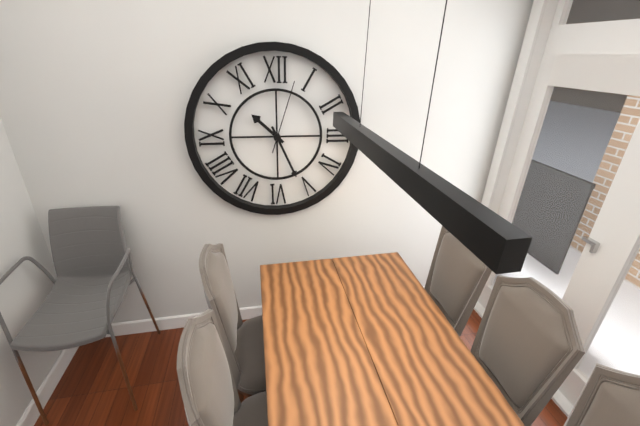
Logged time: 10:26:03
